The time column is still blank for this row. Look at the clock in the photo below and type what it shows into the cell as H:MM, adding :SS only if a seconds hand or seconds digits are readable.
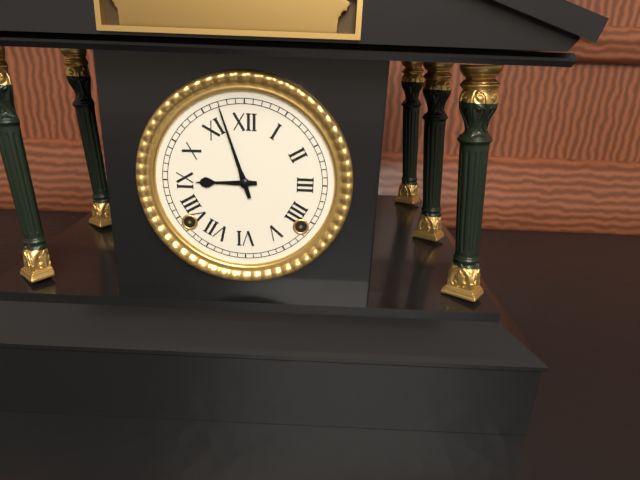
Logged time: 8:57
